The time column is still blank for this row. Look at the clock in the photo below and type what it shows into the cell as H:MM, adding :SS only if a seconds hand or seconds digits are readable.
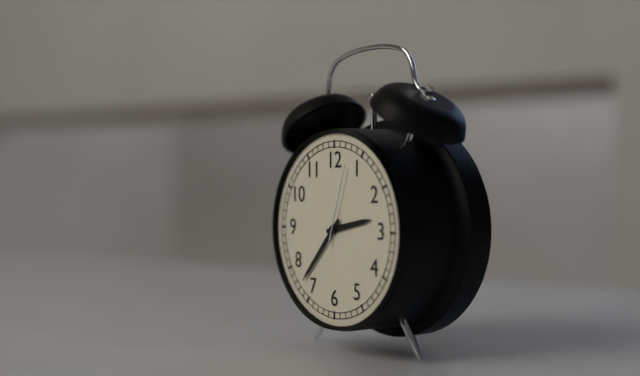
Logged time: 2:37:03
